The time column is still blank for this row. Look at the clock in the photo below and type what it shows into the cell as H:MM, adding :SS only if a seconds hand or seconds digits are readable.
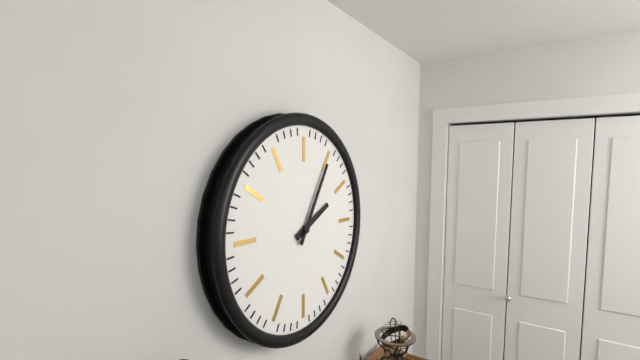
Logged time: 2:05
